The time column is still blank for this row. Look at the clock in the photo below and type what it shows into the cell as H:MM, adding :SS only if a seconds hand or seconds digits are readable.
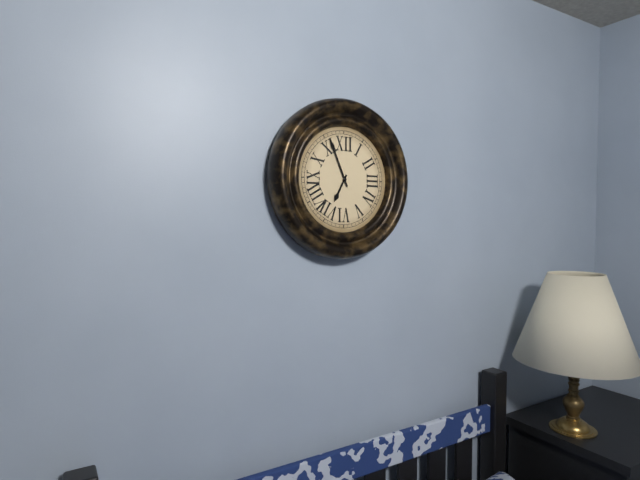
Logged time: 6:56
